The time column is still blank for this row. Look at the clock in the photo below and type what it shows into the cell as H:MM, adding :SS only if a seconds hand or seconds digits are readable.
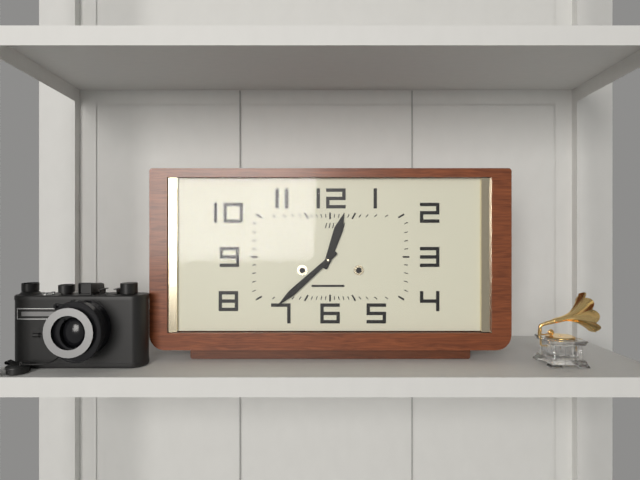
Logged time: 12:38
